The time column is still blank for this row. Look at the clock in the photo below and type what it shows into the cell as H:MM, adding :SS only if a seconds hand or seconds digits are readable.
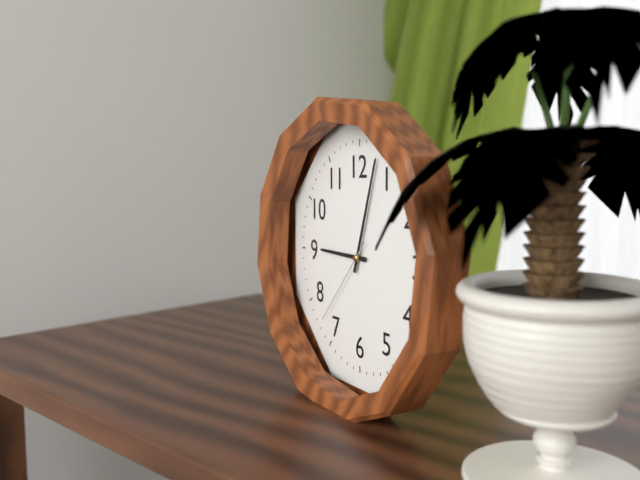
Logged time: 9:03:37
